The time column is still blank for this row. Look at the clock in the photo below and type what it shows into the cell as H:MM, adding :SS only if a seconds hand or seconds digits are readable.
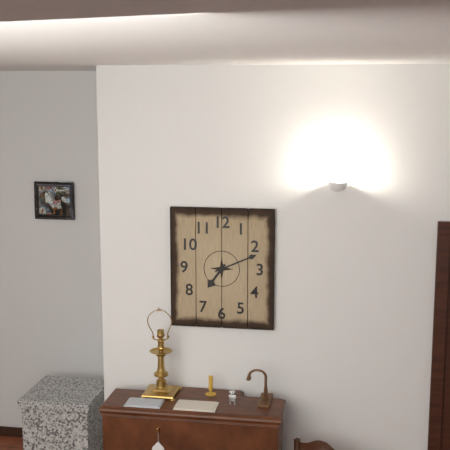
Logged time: 7:11
